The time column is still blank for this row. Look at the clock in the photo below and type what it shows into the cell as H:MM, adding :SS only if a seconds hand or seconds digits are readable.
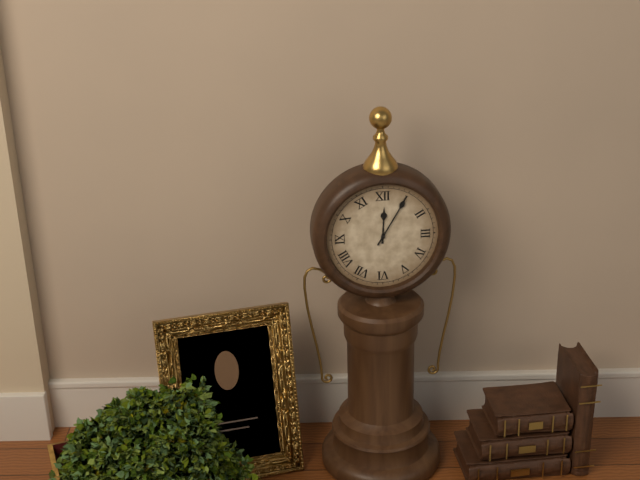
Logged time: 12:05
